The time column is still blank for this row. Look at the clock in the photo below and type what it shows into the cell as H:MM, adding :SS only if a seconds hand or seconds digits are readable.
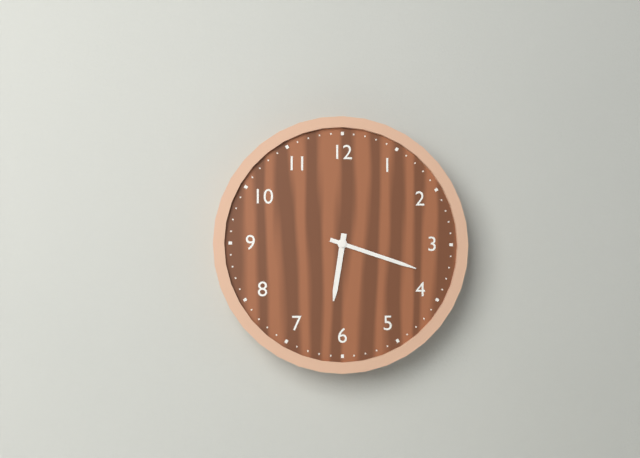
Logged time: 6:18
